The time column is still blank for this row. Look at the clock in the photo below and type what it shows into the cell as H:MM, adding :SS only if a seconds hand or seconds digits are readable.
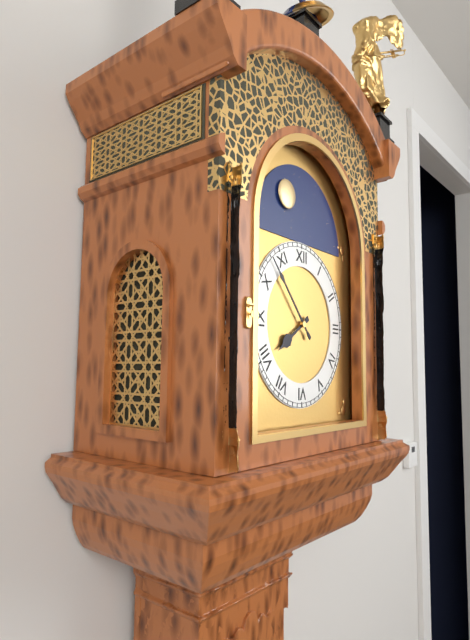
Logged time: 7:53
